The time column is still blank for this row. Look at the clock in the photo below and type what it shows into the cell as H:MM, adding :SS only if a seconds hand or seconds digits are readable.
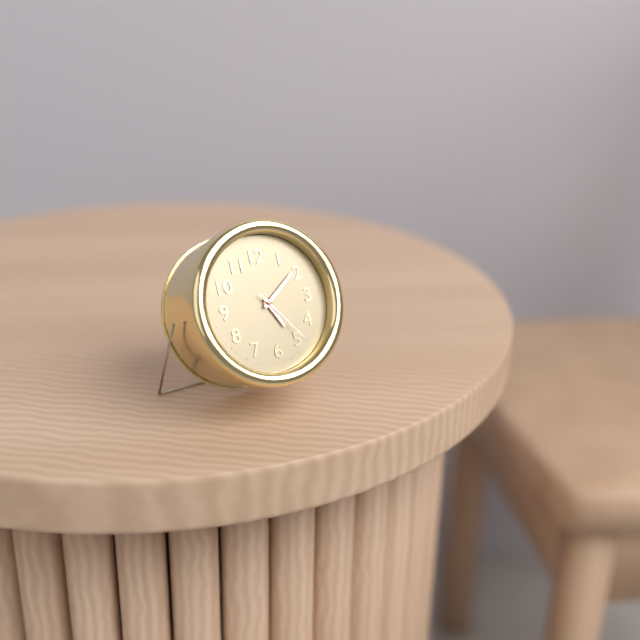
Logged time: 5:09:24
